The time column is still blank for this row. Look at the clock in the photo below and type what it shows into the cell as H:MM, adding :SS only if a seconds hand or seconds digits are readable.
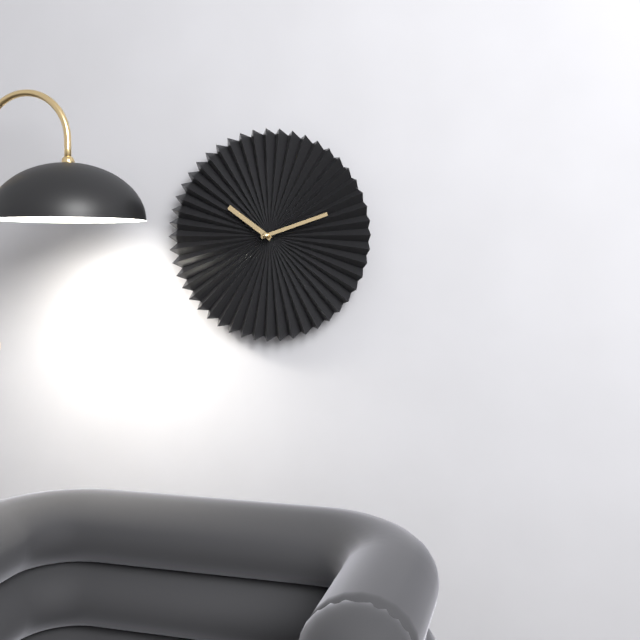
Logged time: 10:12
